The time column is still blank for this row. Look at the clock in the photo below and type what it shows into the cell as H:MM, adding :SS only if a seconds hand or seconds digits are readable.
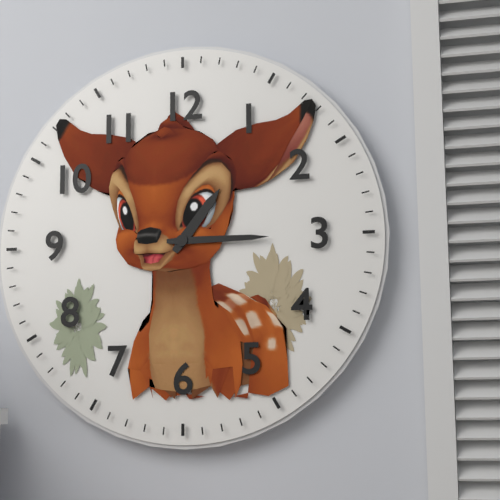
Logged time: 1:15
